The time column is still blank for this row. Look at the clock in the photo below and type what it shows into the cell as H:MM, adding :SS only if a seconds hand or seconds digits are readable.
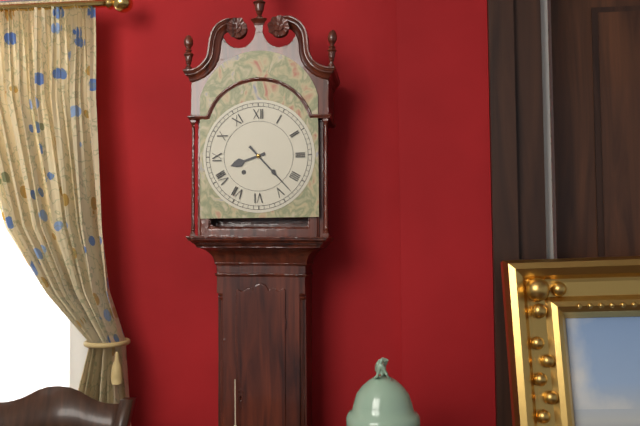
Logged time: 8:23
